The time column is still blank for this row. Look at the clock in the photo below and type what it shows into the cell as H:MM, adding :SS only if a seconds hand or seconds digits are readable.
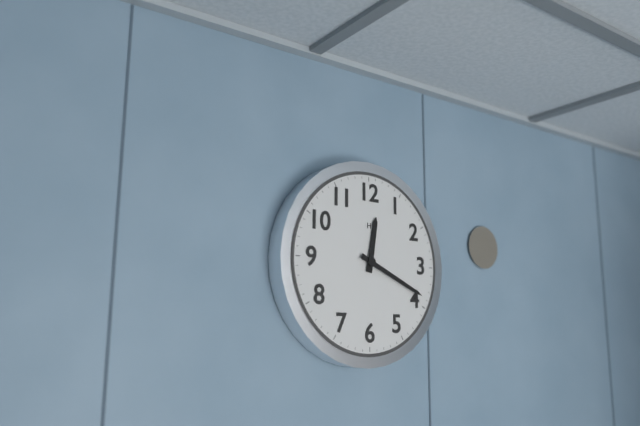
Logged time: 12:19
